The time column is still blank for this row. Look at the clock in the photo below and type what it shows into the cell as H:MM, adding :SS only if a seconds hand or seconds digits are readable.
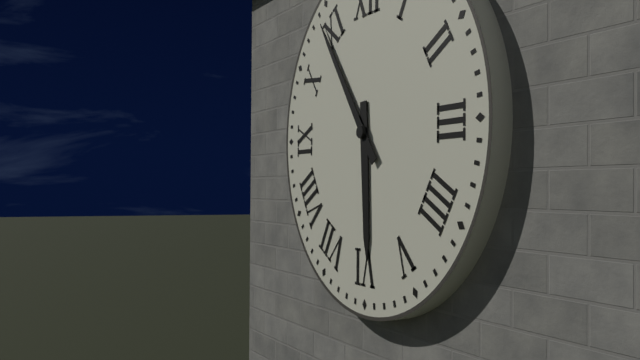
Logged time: 5:54
